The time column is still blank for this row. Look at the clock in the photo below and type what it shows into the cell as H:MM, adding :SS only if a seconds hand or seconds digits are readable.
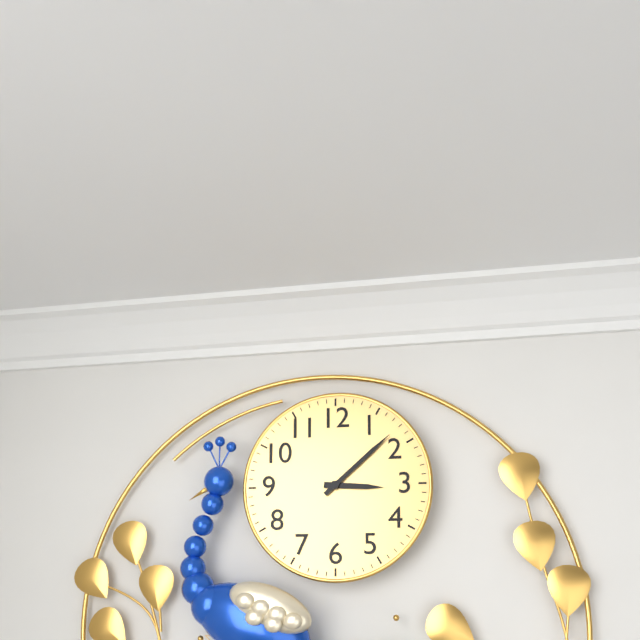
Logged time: 3:08
